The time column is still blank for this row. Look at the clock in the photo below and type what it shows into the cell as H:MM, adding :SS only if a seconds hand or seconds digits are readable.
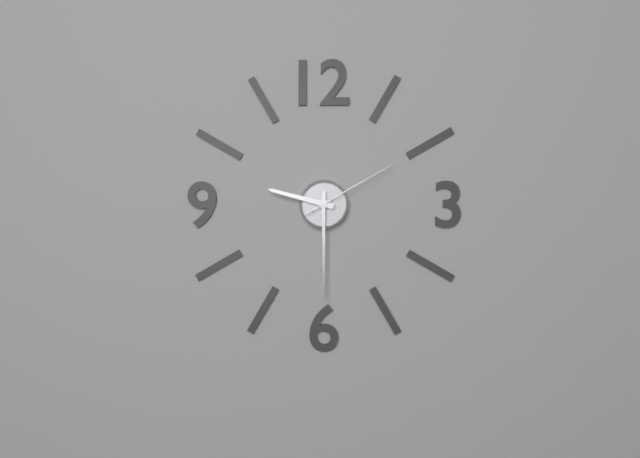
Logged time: 9:30:10
